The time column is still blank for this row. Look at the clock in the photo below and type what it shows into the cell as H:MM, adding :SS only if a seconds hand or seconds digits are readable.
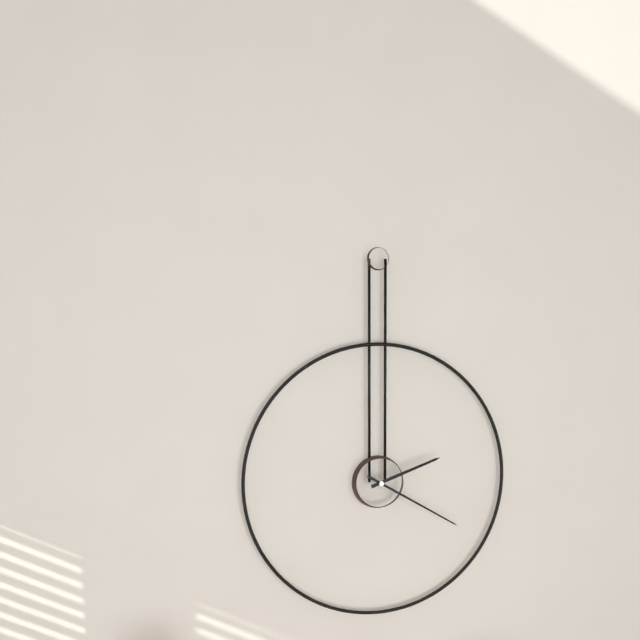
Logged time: 2:20
